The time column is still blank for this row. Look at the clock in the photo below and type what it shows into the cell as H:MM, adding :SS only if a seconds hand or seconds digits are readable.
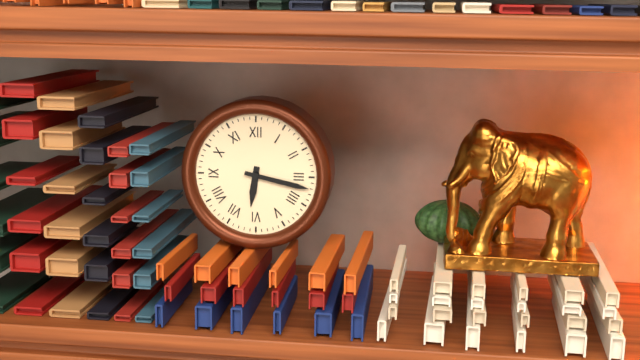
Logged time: 6:17
